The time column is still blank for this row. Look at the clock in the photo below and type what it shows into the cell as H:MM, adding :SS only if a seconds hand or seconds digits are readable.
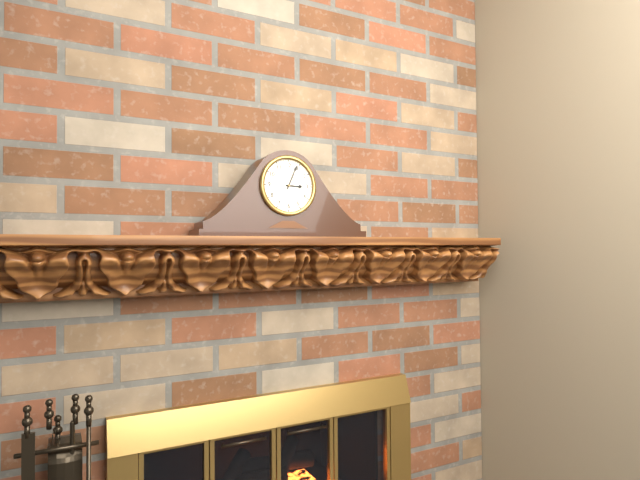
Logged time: 3:04
